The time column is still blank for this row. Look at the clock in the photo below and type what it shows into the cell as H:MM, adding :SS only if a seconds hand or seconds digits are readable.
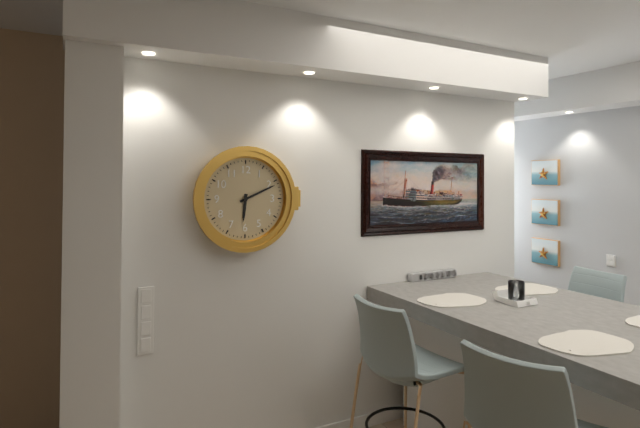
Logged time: 6:11
